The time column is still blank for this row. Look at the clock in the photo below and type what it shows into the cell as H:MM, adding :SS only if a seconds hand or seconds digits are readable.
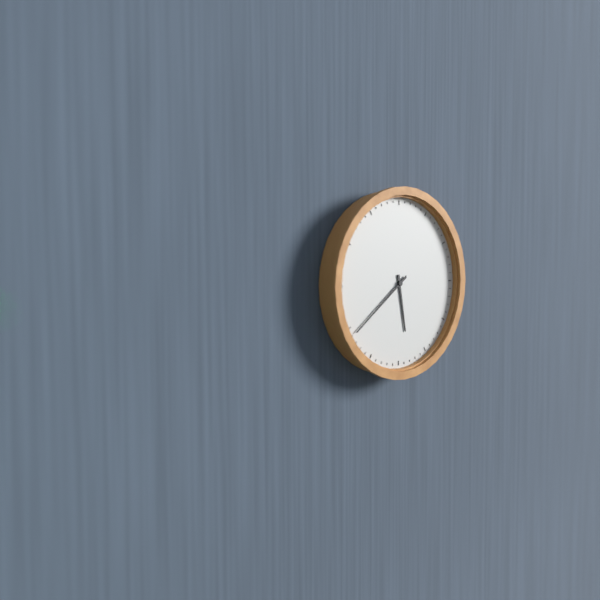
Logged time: 5:39
